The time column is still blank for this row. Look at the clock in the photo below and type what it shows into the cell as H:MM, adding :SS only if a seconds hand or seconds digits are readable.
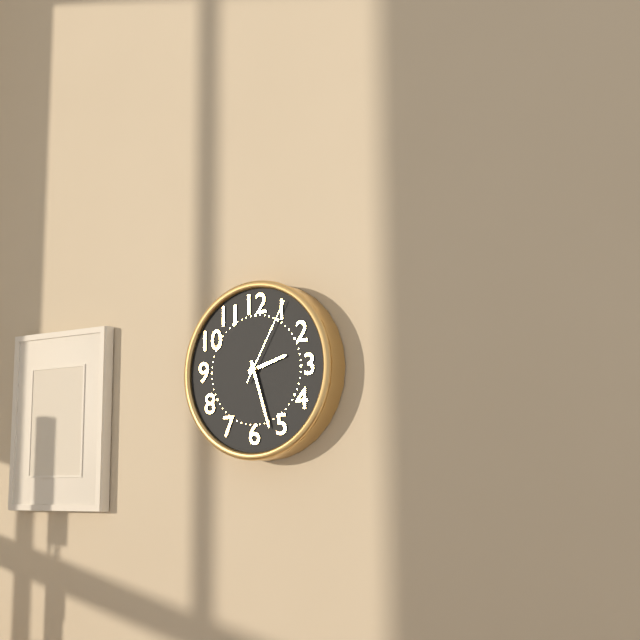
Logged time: 2:27:05
